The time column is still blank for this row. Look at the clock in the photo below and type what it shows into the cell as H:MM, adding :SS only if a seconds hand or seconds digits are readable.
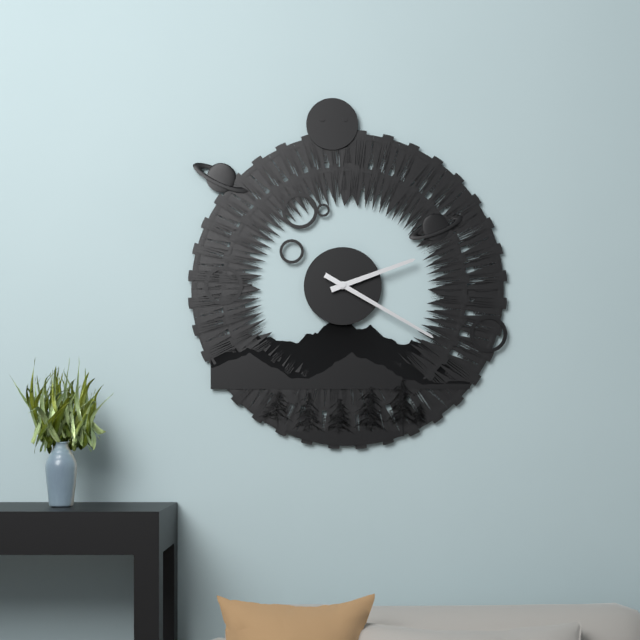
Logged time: 2:20
